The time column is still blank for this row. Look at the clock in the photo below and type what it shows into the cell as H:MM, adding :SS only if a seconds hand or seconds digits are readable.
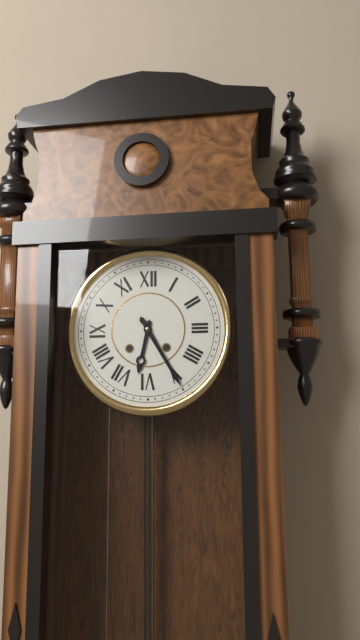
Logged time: 6:25
